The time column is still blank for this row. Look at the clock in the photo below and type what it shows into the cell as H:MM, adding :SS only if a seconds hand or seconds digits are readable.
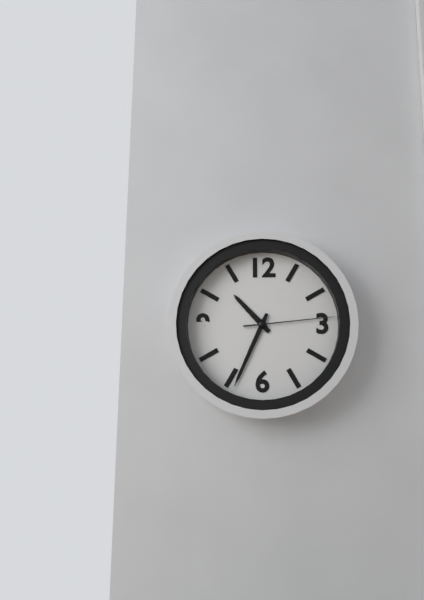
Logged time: 10:34:14
